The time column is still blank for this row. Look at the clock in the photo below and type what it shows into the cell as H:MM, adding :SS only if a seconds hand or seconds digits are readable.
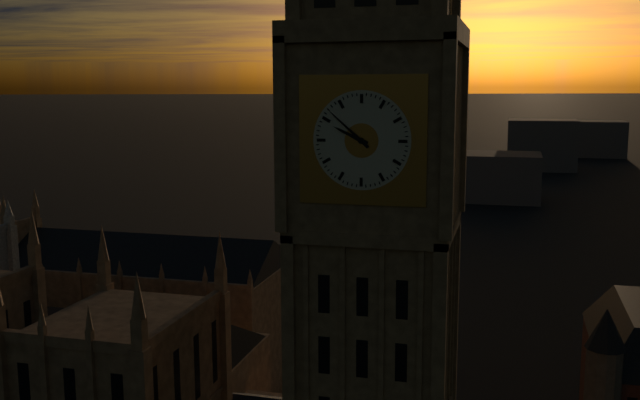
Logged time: 9:52
